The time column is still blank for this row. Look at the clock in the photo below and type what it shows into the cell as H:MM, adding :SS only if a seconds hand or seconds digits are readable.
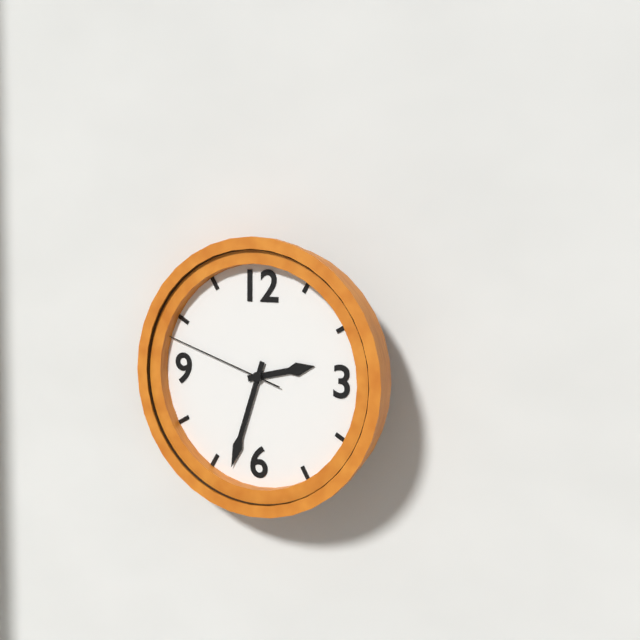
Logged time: 2:33:48
